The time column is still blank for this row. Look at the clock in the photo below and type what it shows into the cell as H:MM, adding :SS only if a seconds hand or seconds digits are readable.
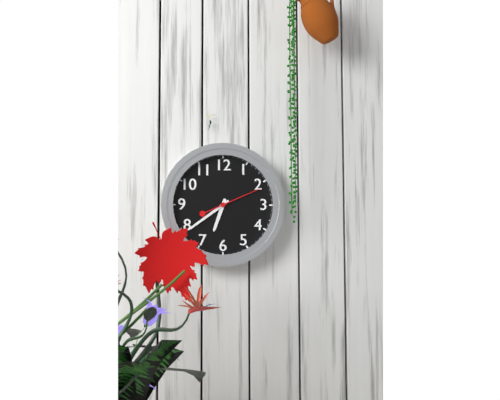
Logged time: 6:39:11
